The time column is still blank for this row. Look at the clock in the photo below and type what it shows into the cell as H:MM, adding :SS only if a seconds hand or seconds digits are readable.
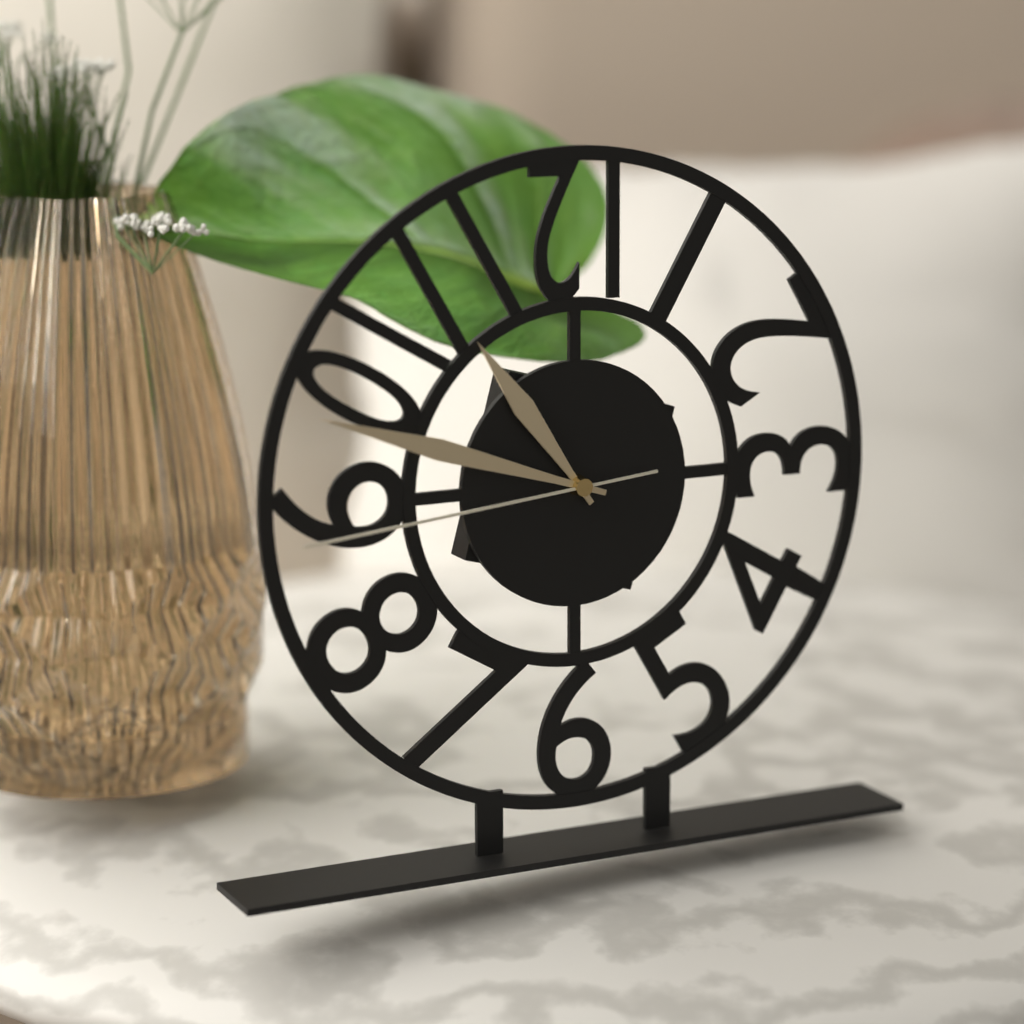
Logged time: 10:48:44
